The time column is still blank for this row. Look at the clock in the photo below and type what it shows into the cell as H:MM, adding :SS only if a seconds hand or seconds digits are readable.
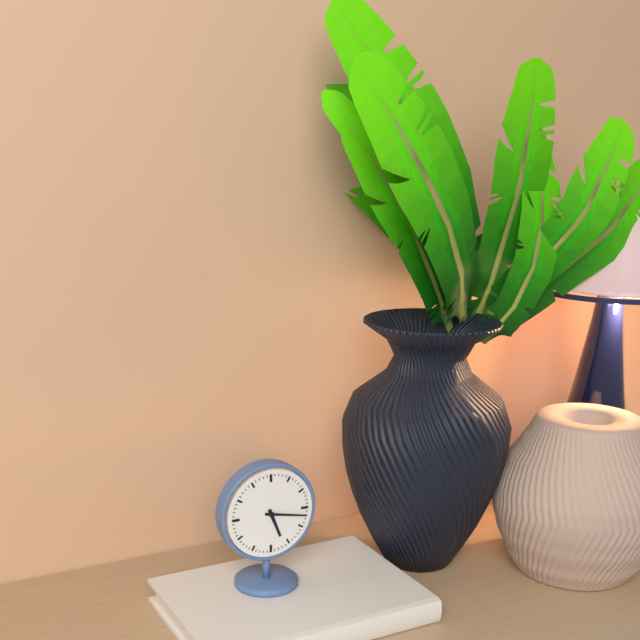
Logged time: 5:17
